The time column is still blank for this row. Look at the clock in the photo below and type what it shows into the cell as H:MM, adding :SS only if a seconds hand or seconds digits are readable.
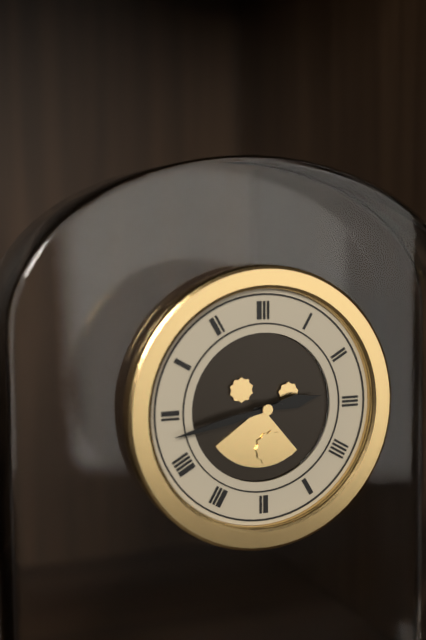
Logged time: 2:43
